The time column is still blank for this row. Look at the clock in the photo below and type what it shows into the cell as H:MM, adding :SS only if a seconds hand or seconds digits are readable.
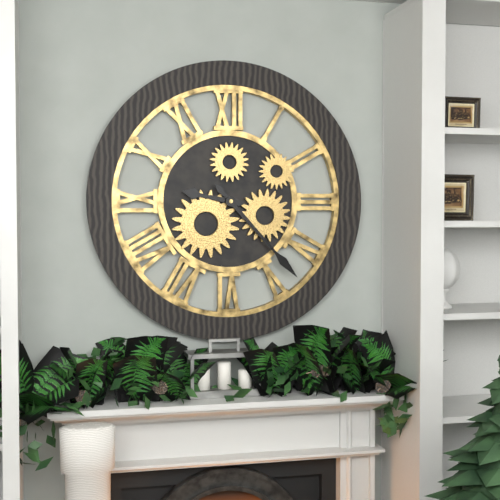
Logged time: 9:23
